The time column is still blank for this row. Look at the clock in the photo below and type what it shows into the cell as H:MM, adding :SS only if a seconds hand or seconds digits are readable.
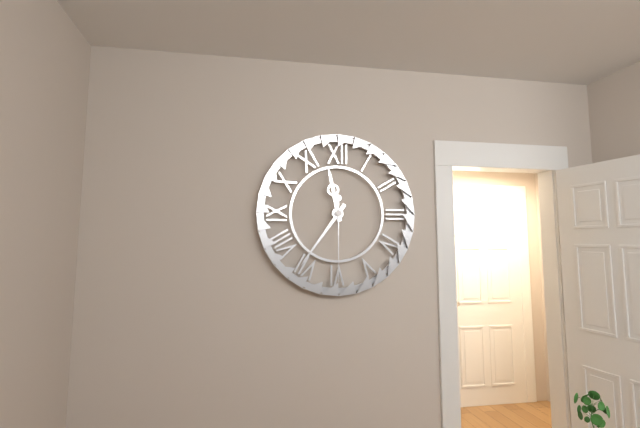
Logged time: 11:36:30
